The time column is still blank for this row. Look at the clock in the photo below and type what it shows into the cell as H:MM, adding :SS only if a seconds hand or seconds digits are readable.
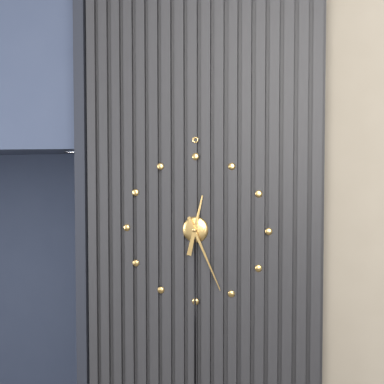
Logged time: 12:26
